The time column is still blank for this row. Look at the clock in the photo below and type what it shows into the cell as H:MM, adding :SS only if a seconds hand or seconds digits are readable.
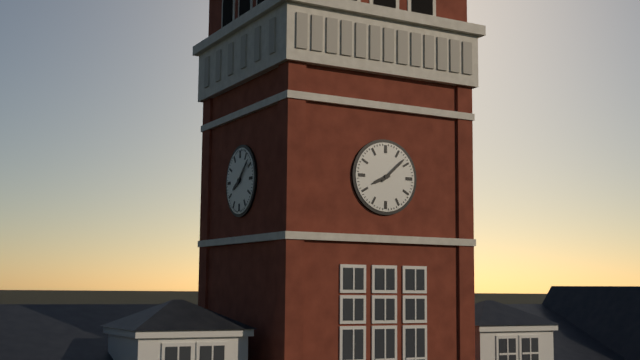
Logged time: 8:08
